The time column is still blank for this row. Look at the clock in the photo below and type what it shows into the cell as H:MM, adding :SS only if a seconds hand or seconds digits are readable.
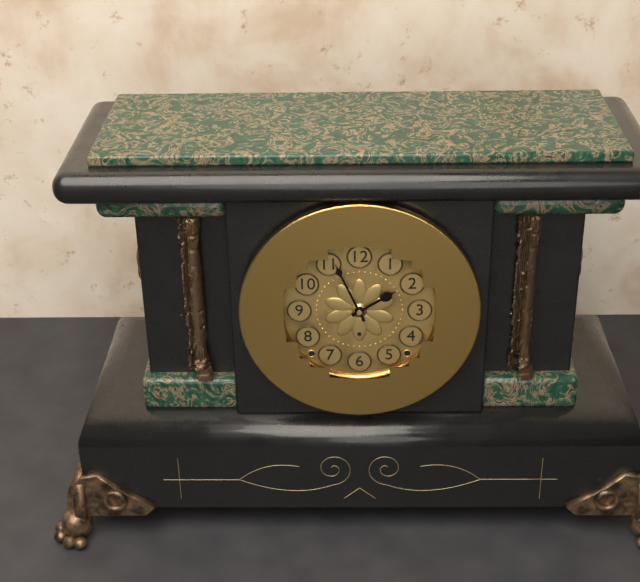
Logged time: 1:56
